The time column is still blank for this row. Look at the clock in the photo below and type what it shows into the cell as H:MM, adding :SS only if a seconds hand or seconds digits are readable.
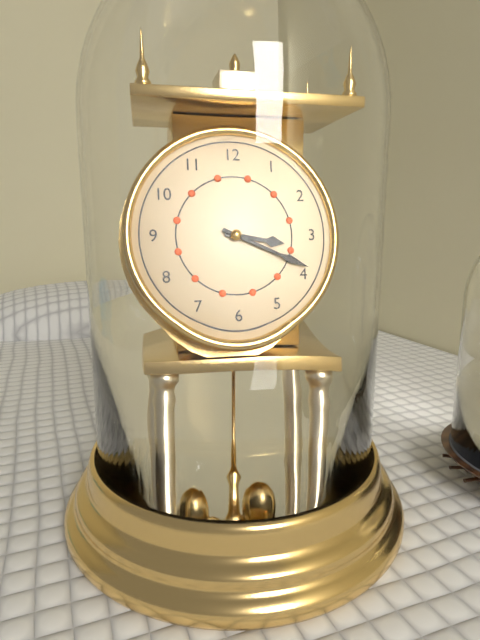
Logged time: 3:19
